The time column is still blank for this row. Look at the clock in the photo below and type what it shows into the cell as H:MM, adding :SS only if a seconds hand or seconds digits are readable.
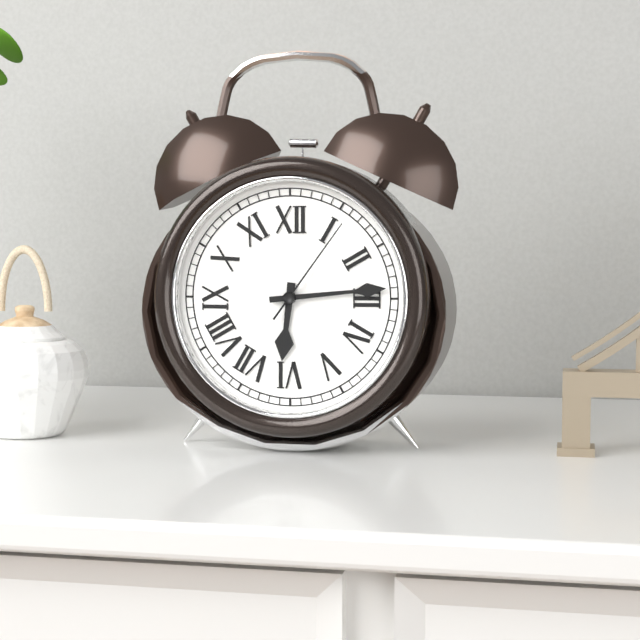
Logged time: 6:14:06
